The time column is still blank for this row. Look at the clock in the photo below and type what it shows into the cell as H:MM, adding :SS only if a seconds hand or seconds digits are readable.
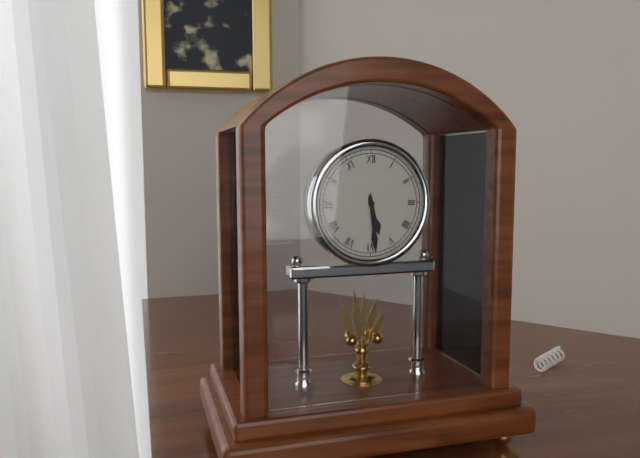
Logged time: 5:29
